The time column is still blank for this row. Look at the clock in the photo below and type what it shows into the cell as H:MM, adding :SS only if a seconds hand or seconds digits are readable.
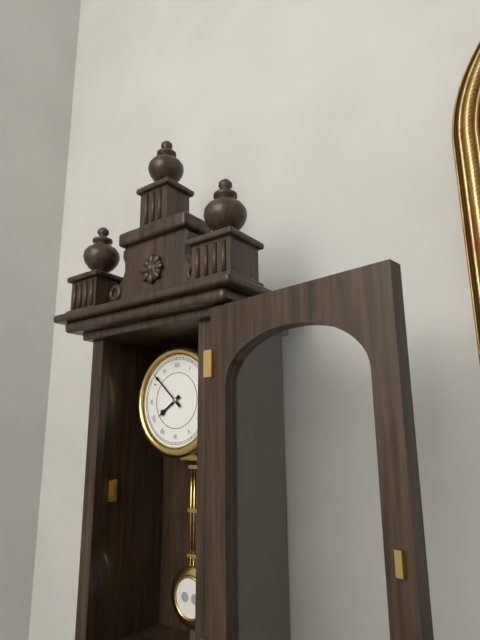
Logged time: 7:52
